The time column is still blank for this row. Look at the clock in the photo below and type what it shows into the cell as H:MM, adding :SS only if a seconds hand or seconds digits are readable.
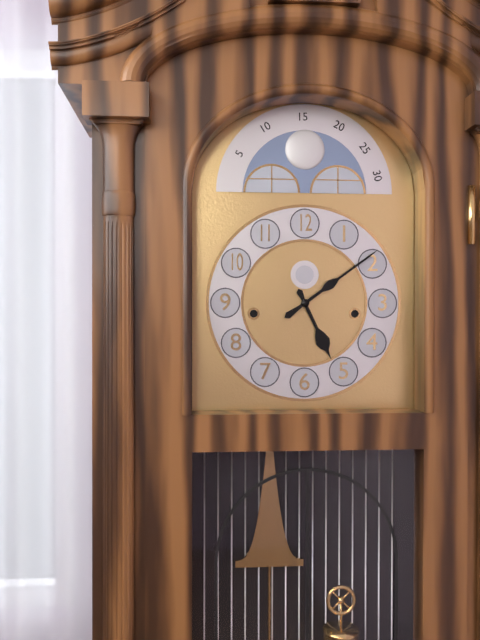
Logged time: 5:09
